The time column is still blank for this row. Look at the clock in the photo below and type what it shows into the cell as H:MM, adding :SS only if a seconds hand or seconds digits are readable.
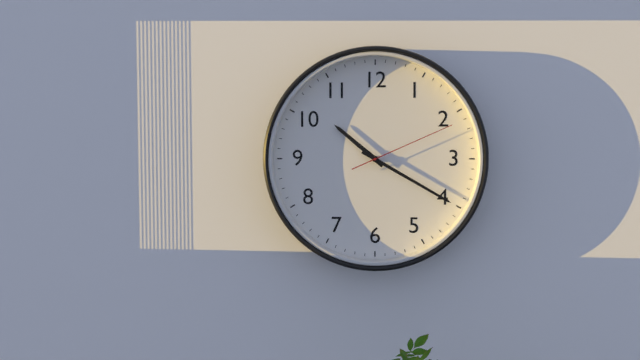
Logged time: 10:20:11
